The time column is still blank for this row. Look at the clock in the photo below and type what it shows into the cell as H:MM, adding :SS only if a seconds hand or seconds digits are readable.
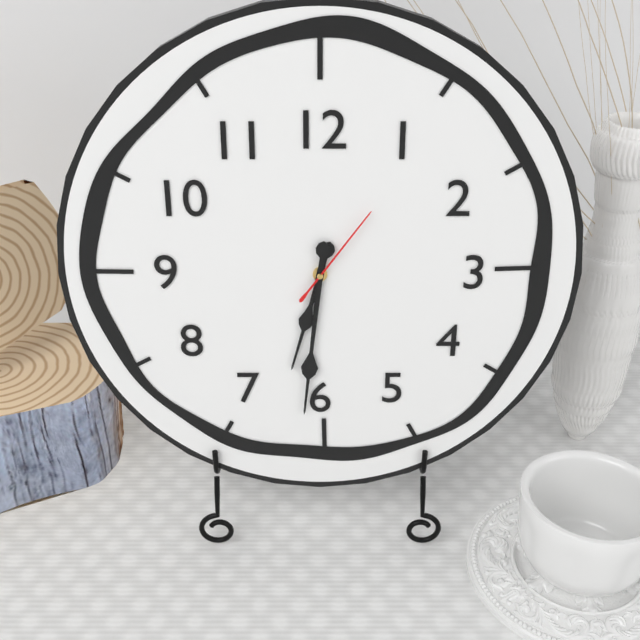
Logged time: 6:31:06
